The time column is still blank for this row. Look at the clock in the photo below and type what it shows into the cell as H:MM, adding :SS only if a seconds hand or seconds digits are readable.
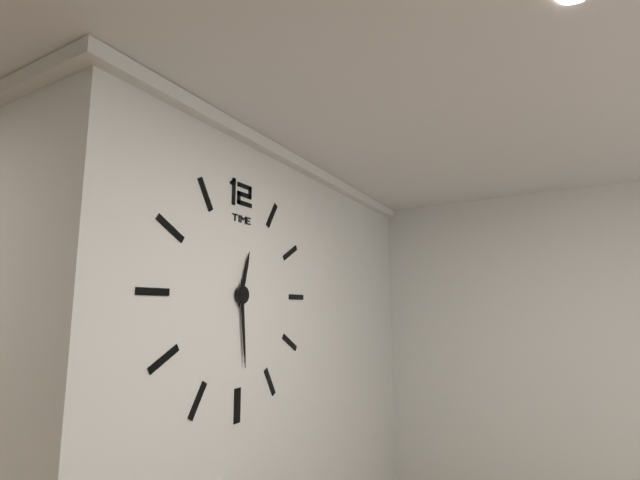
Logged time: 12:29
